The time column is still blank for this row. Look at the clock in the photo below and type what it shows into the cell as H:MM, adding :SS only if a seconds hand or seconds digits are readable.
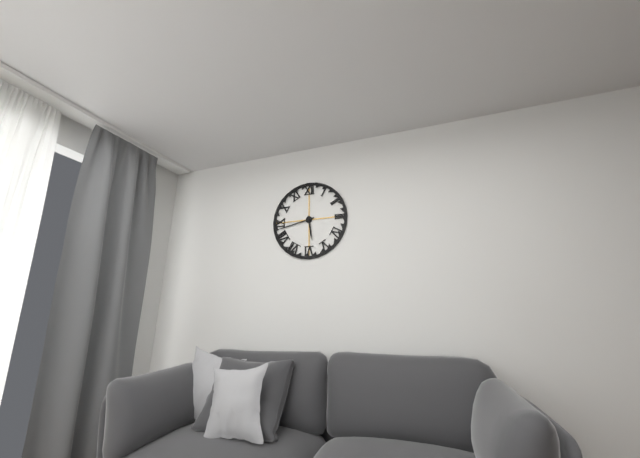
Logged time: 5:43
